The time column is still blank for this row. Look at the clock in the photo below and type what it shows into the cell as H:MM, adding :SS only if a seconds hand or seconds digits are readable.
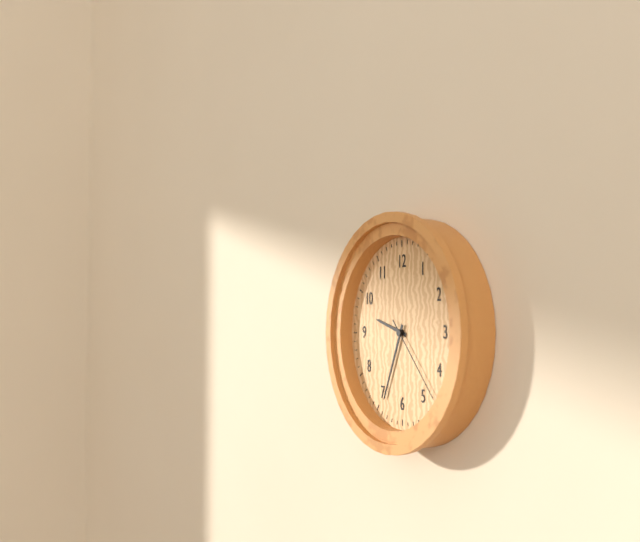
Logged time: 9:34:23
